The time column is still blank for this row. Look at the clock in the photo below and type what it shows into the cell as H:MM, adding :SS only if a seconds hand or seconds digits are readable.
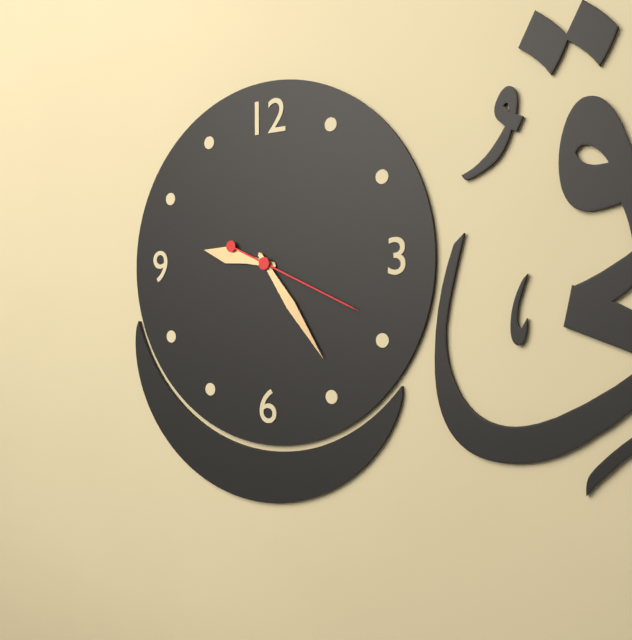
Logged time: 9:24:19
